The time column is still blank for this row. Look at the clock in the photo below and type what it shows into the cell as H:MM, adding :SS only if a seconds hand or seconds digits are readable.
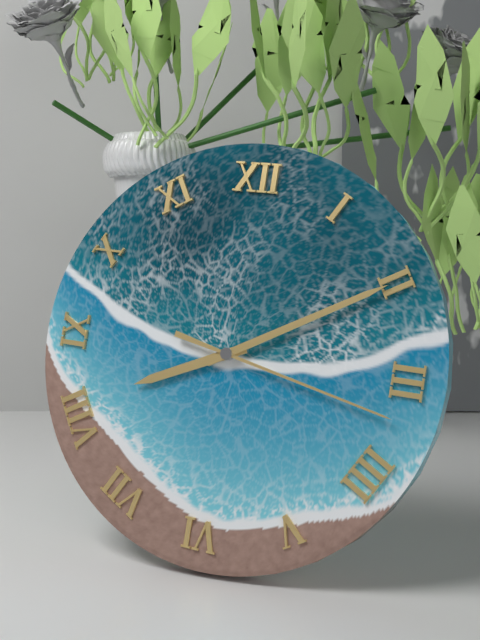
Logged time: 8:10:17
